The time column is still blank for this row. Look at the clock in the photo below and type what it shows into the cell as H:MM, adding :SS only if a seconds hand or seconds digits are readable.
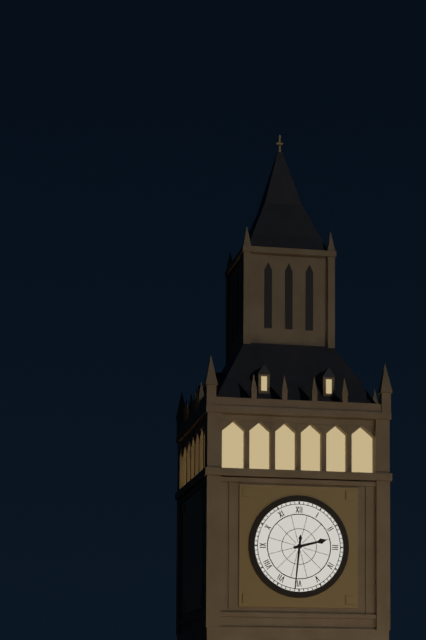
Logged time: 2:31
